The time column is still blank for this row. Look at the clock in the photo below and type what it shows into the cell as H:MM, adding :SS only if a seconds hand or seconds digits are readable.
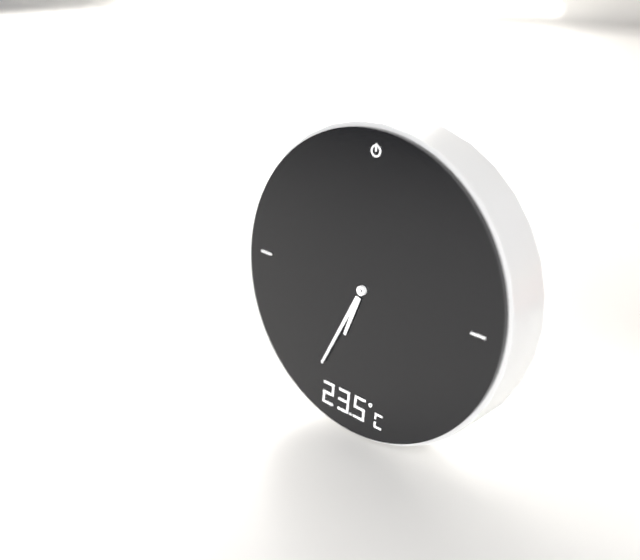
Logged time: 6:34
